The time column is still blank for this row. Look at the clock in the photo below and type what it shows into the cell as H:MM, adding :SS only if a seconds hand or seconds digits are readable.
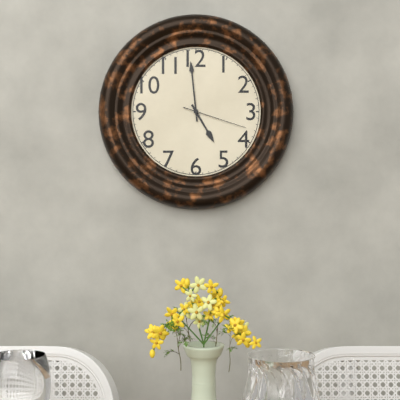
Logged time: 4:59:18
